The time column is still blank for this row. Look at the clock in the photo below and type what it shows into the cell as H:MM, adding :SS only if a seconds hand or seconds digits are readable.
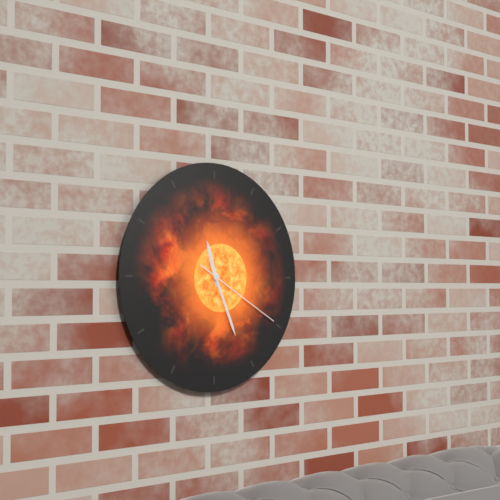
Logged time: 11:26:20
